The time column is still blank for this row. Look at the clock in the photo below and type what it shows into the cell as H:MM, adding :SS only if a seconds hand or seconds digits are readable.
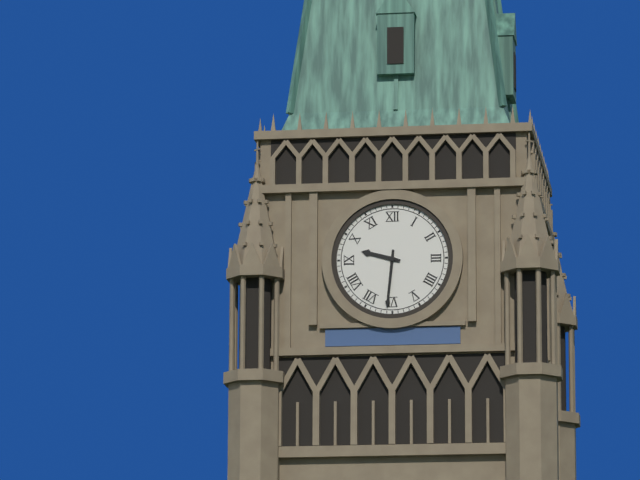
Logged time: 9:31
